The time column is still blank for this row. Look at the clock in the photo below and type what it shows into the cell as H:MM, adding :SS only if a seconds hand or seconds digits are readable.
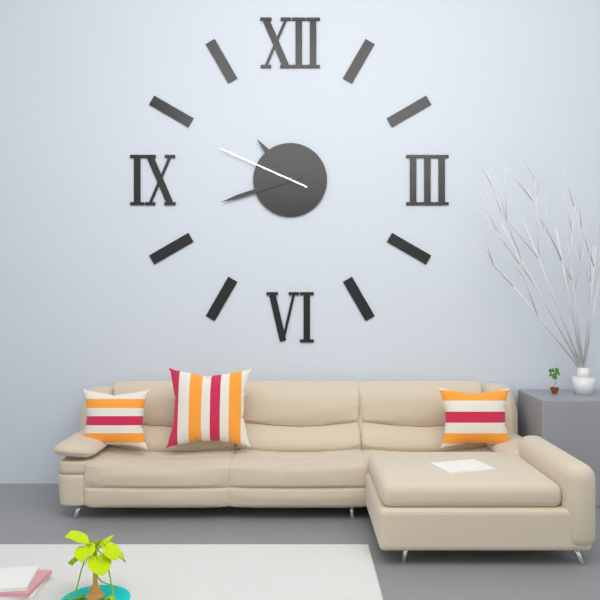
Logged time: 10:42:49
